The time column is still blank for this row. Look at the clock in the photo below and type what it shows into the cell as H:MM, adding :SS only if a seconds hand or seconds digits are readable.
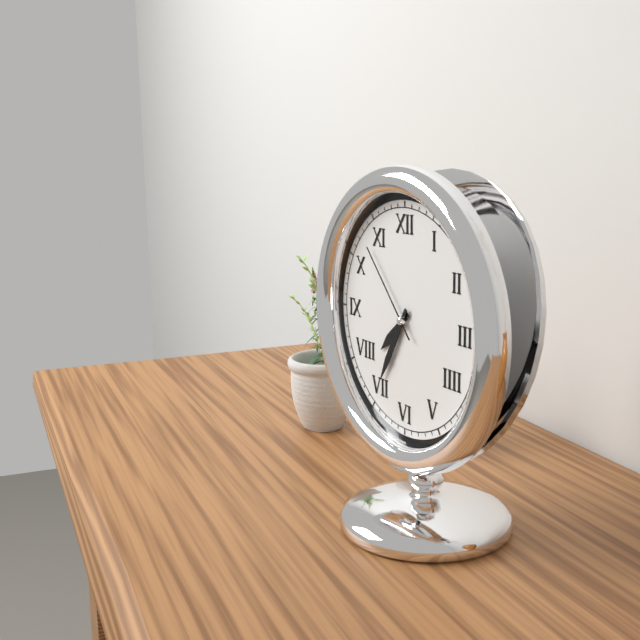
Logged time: 7:35:53
